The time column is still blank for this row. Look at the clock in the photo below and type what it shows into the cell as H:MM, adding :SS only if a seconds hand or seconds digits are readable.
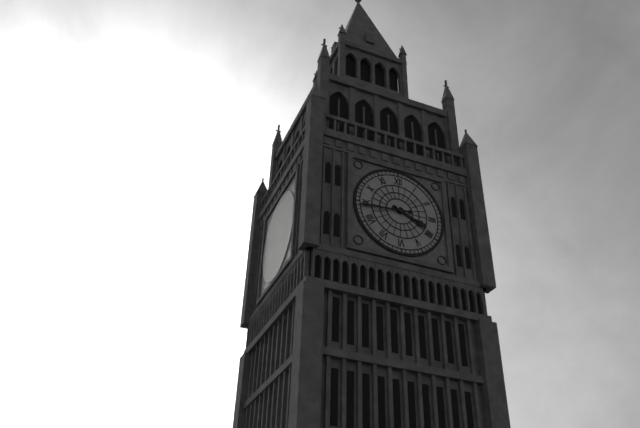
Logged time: 3:44
